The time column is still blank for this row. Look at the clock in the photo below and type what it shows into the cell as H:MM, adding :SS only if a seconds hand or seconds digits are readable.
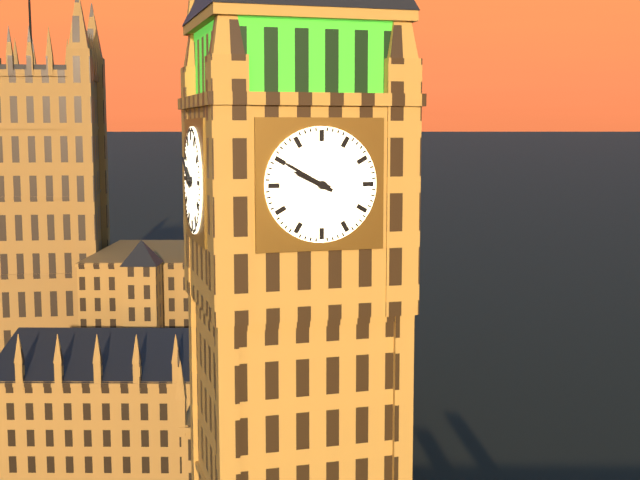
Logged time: 9:50
